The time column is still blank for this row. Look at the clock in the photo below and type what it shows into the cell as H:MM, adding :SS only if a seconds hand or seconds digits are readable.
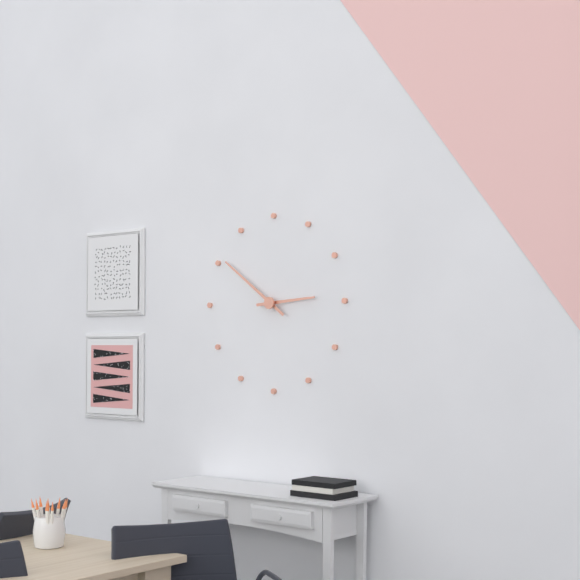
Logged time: 2:51
